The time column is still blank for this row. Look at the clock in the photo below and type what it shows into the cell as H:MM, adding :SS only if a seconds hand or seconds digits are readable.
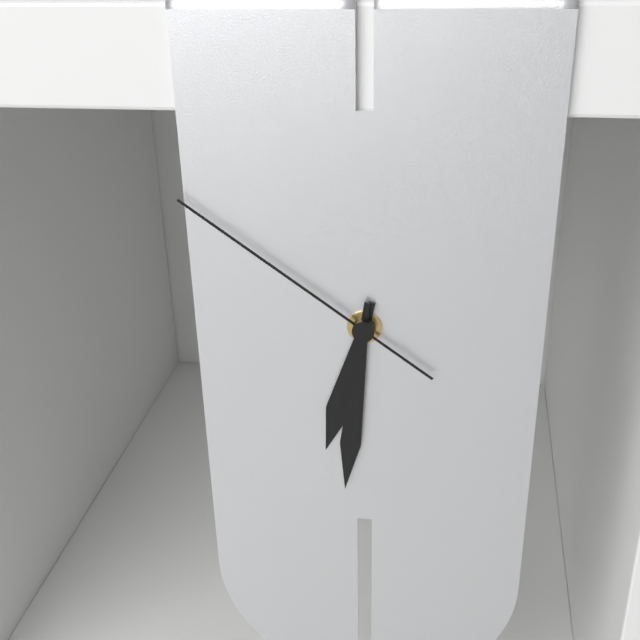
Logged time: 6:31:51
